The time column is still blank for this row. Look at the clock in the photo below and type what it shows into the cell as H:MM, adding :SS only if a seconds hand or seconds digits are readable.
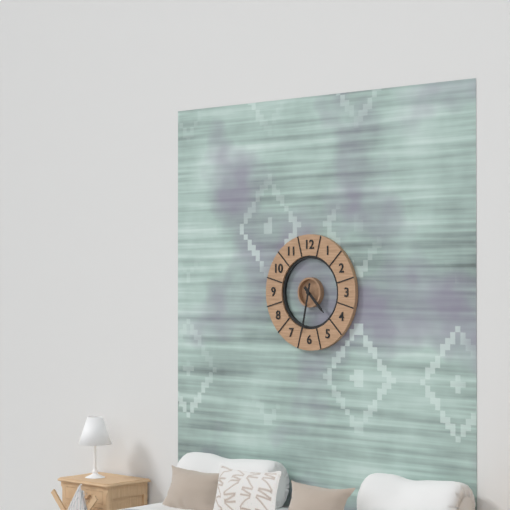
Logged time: 4:32
